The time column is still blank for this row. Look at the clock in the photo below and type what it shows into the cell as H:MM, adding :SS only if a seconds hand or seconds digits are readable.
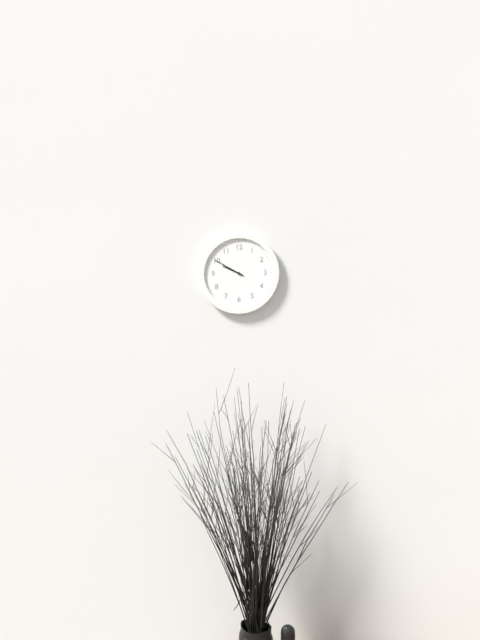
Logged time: 9:50
